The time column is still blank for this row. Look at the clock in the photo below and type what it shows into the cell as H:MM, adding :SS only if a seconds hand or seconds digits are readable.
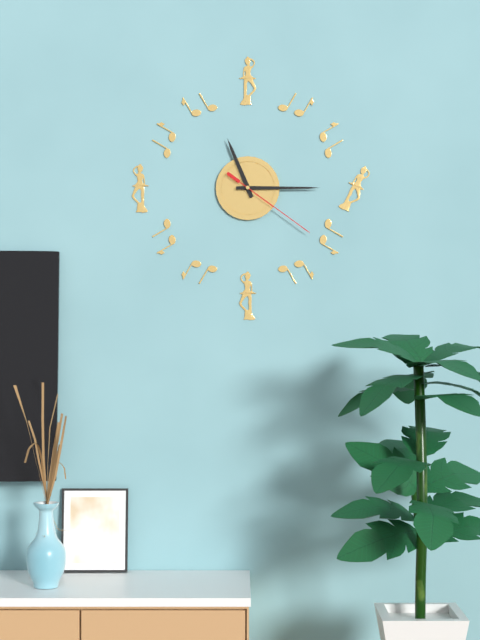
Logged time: 11:15:21
